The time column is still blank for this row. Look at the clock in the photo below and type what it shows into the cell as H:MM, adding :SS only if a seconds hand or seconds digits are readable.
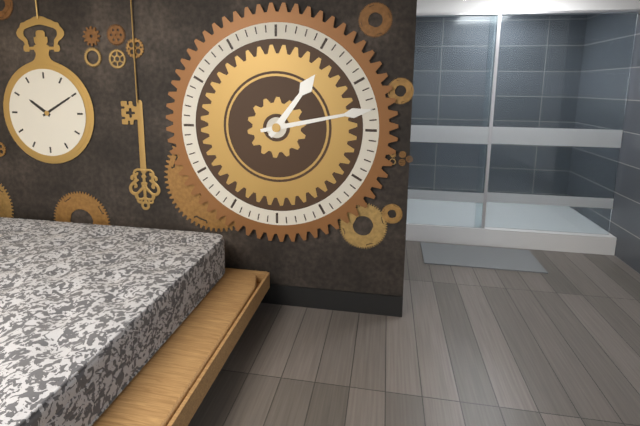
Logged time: 1:13
